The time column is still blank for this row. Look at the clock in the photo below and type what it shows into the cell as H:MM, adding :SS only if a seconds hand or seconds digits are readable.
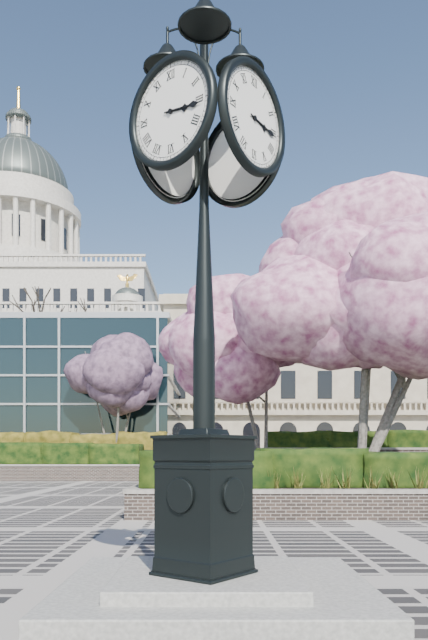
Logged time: 3:16
